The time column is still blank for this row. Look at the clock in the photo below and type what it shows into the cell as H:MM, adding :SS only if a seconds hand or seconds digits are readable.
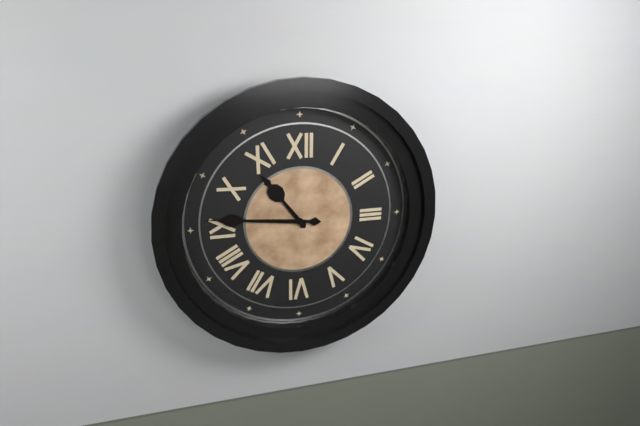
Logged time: 10:46
